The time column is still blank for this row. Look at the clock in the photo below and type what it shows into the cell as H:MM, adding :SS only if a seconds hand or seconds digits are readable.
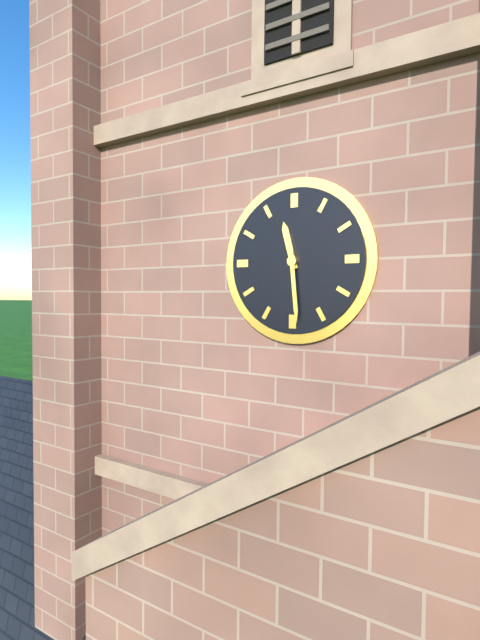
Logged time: 11:29
